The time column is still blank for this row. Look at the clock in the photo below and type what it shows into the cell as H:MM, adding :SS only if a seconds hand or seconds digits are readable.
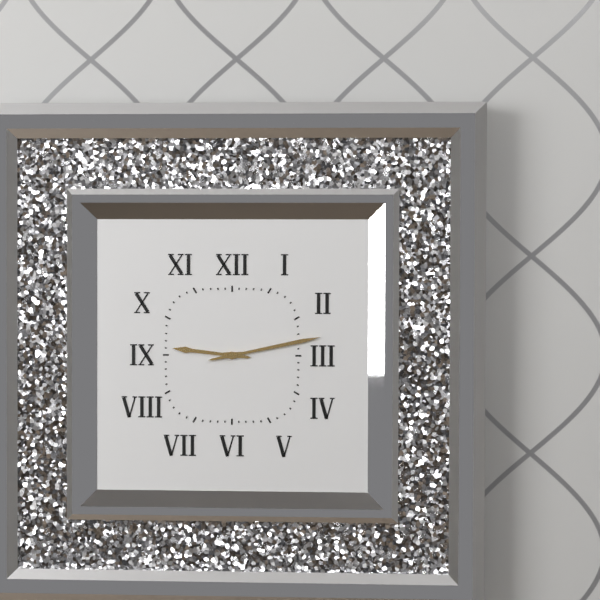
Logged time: 9:13
